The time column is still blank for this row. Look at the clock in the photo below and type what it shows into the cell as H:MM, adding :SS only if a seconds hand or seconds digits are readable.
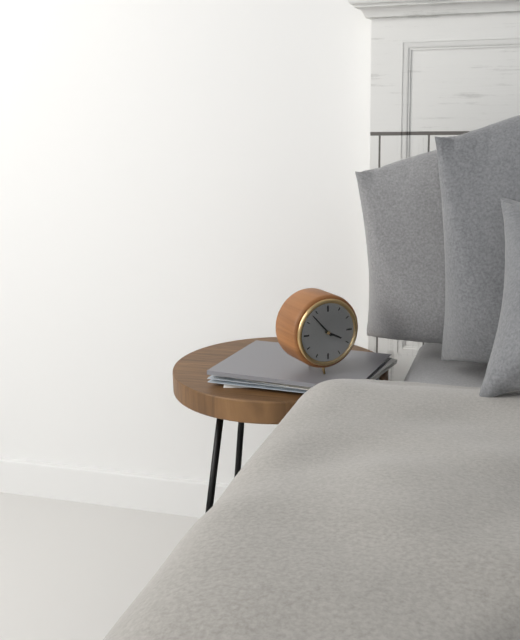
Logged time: 3:53
